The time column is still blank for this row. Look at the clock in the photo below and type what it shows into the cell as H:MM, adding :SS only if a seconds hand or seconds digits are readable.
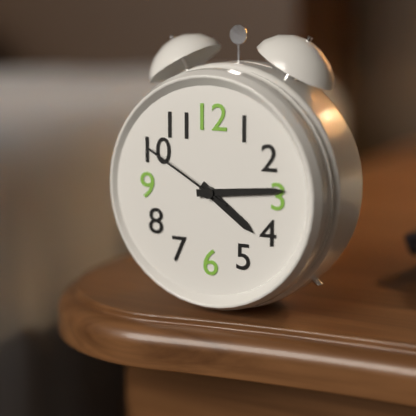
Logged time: 4:14:50
